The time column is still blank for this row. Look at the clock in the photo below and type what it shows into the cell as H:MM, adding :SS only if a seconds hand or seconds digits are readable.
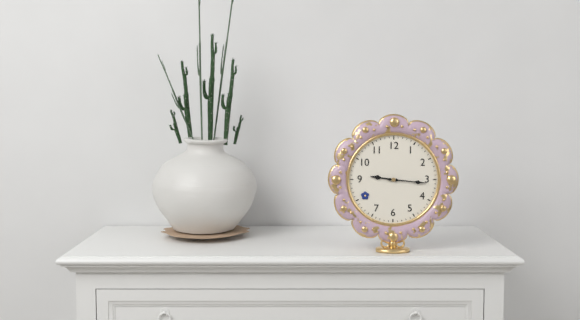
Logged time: 9:16
